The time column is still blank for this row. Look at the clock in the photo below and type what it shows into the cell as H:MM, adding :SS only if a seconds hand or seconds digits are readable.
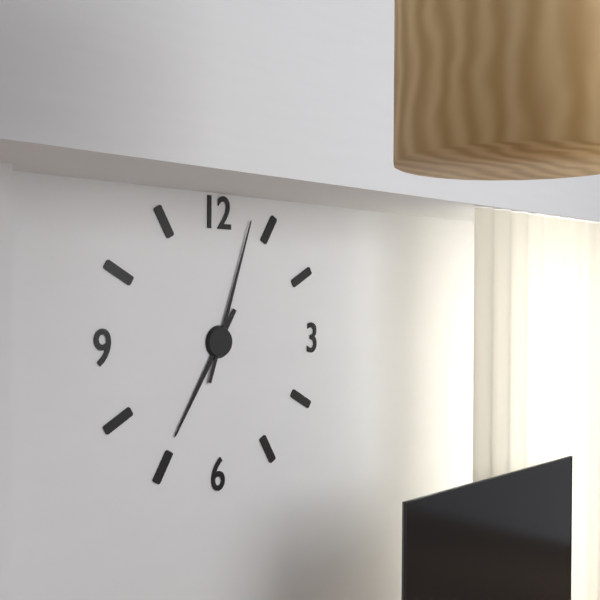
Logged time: 7:03
